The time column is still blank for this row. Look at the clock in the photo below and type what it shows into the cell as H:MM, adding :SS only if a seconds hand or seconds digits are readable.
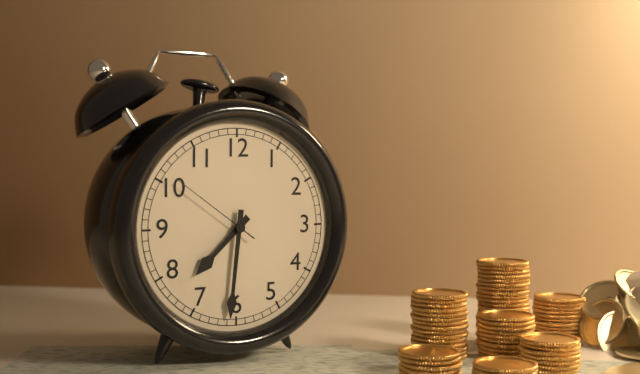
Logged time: 7:31:51
